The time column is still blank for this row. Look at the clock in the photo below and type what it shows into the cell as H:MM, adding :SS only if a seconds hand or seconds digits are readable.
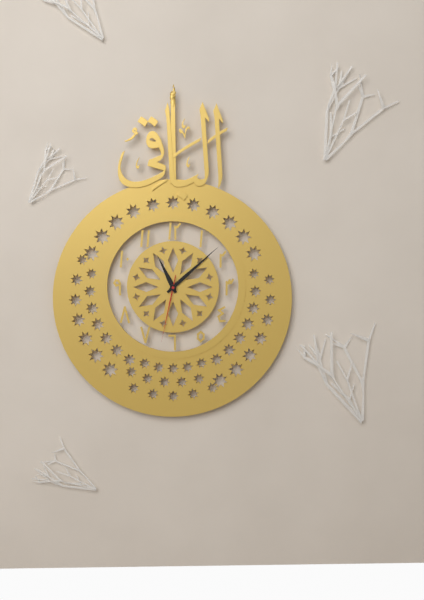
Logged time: 11:08:32
